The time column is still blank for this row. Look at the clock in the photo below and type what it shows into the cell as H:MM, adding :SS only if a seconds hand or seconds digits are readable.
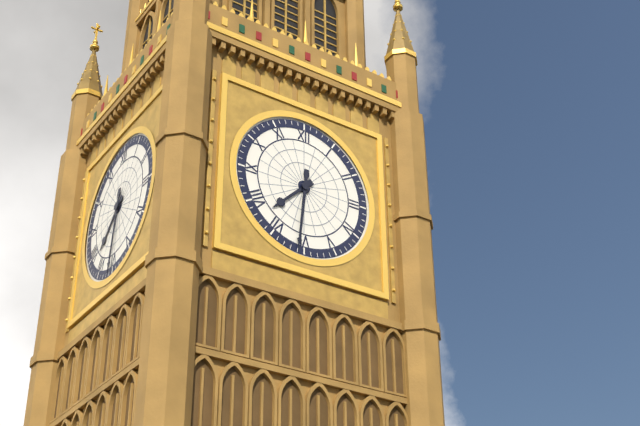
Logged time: 7:31
